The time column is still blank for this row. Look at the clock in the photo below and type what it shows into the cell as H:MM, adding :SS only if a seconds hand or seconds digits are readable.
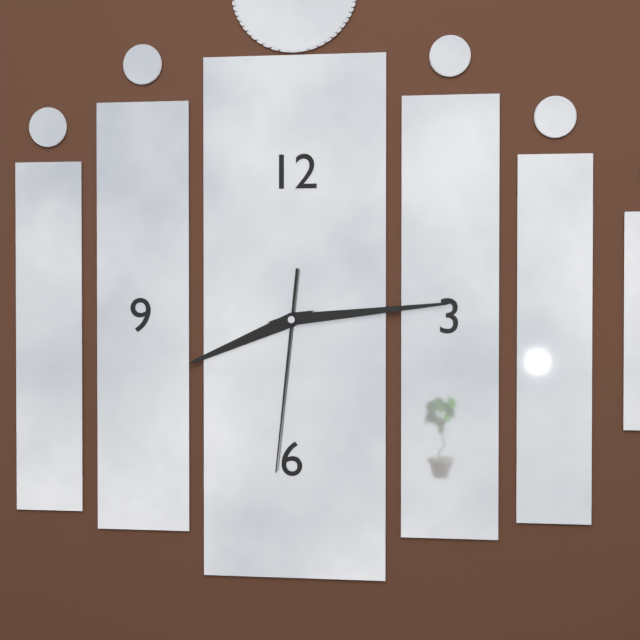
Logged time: 8:14:31
